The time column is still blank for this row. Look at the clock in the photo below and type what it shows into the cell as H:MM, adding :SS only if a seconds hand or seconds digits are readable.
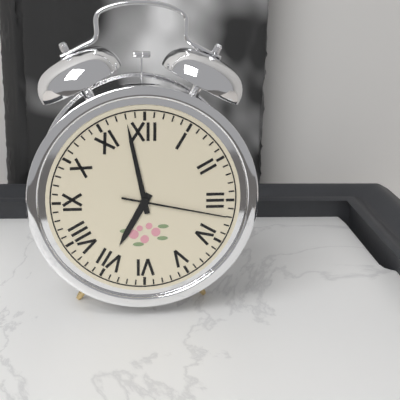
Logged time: 6:58:17
